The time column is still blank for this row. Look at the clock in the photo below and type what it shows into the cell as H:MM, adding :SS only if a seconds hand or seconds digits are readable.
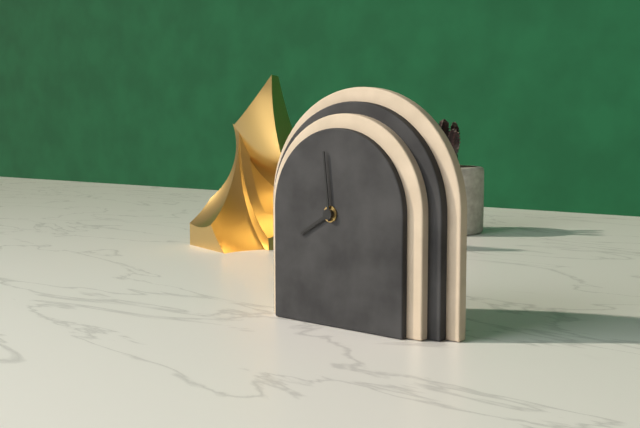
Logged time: 7:59
